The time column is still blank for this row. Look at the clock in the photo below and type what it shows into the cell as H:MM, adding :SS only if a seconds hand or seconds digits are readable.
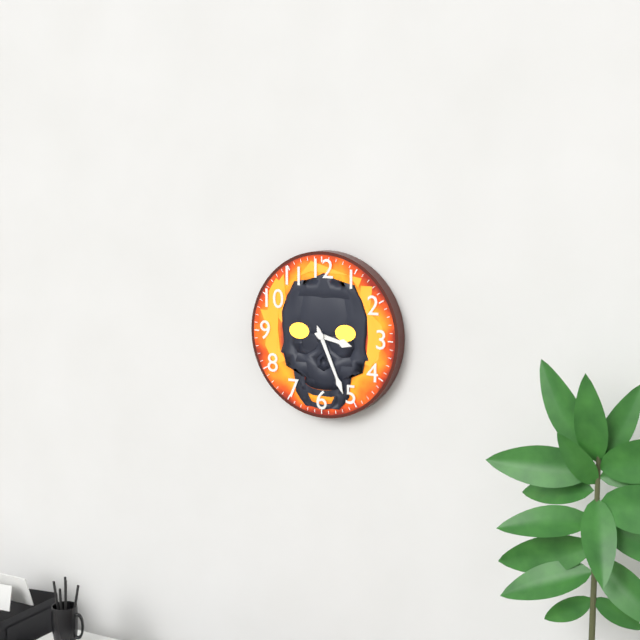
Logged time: 3:26
